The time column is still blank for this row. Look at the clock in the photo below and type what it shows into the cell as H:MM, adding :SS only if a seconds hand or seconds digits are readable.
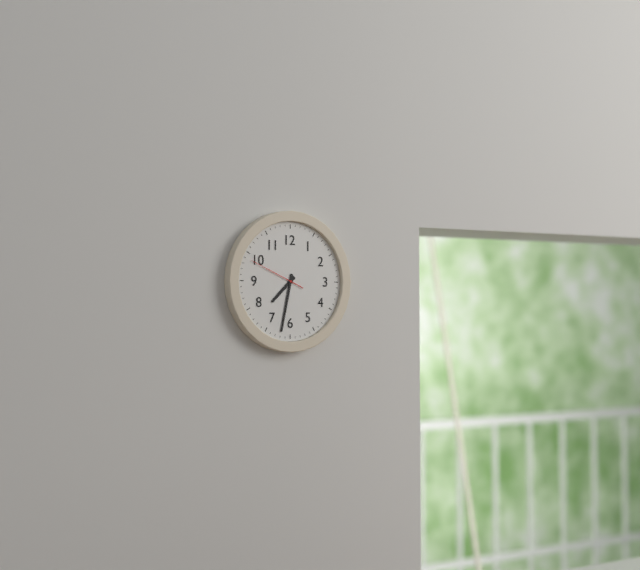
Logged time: 7:32:49
